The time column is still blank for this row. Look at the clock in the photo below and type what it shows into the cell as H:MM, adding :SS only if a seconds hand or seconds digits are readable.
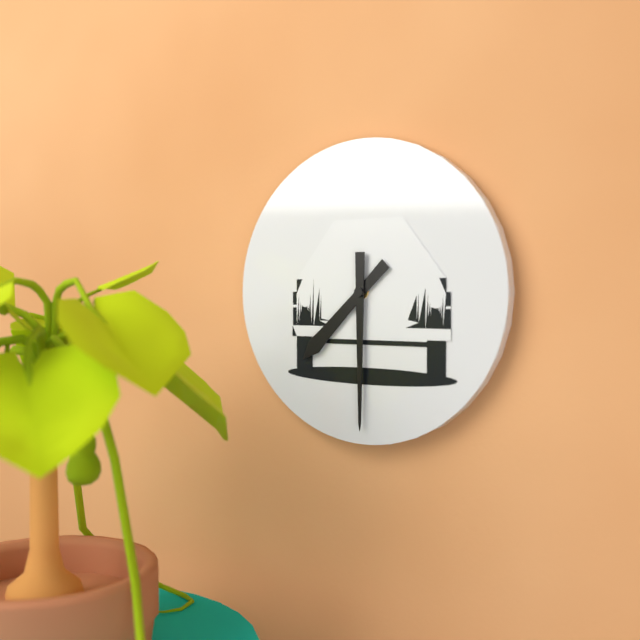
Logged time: 7:30
